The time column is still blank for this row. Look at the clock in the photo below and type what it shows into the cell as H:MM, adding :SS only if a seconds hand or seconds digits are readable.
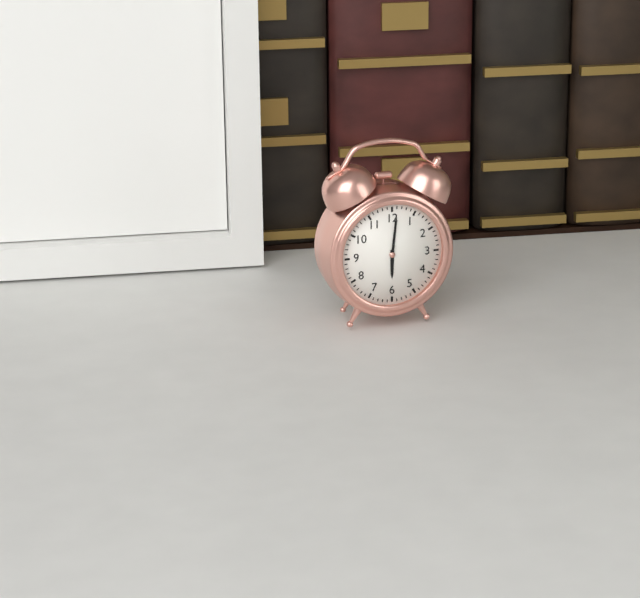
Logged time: 6:01
